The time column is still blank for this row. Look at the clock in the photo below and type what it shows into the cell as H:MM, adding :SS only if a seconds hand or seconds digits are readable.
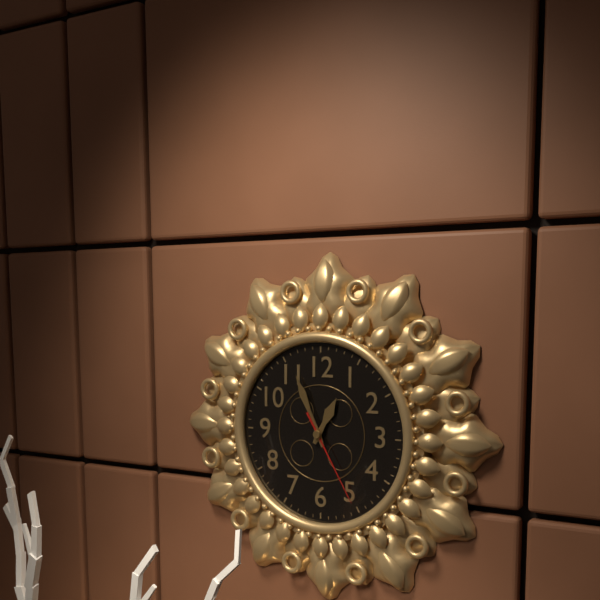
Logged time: 12:56:25
